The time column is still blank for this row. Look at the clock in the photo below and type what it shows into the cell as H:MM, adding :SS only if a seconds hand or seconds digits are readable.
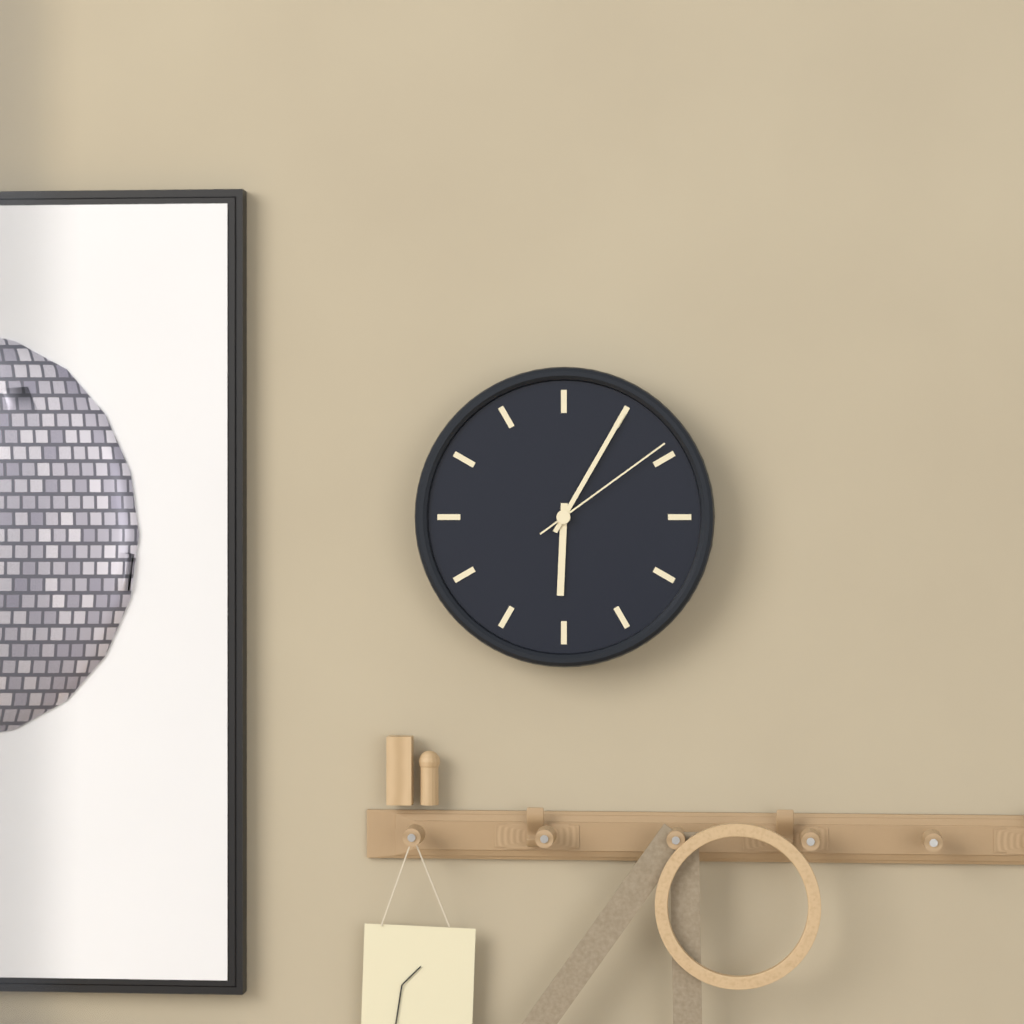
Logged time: 6:05:09
